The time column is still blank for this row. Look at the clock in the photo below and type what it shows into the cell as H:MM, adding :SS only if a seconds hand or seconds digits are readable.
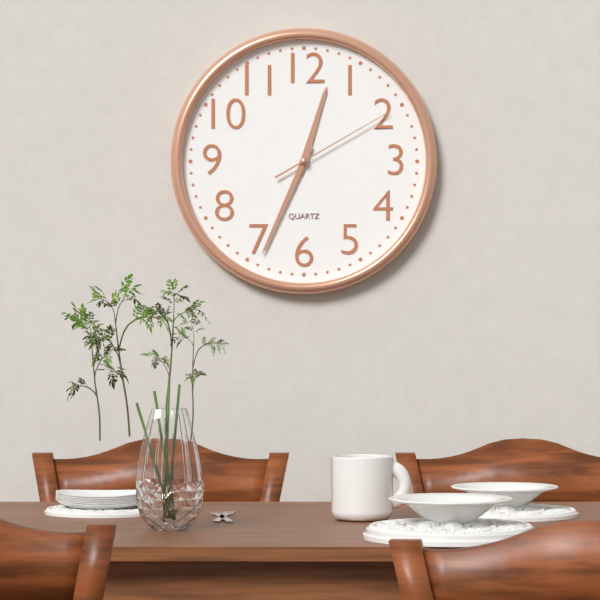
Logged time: 12:34:10
